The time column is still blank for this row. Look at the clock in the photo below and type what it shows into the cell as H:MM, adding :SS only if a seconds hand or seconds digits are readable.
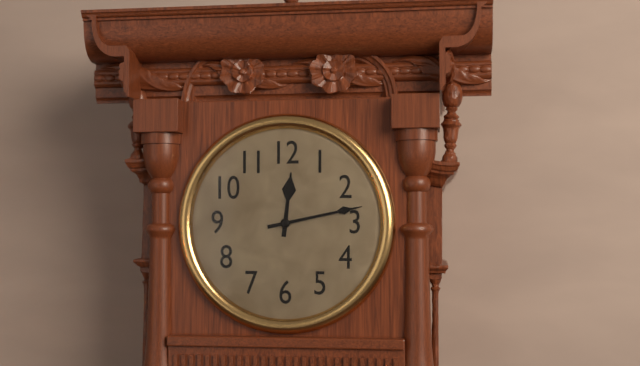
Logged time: 12:13
